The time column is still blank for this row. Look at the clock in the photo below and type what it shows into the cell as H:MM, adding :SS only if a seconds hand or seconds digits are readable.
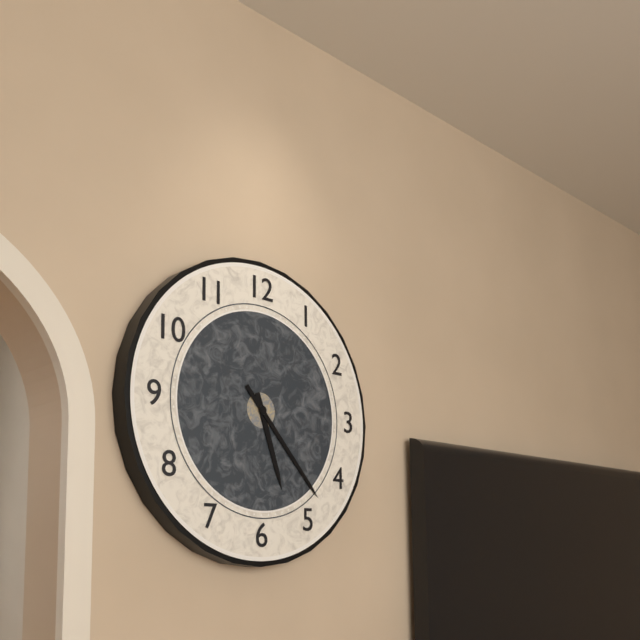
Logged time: 5:23
